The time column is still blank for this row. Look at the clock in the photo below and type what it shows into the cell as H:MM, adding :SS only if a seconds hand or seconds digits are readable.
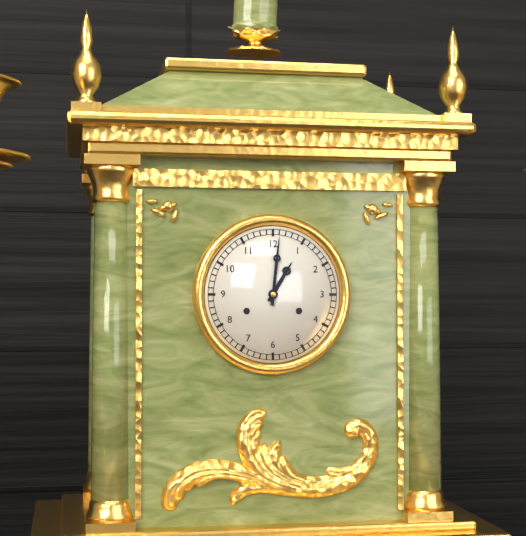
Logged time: 1:01
